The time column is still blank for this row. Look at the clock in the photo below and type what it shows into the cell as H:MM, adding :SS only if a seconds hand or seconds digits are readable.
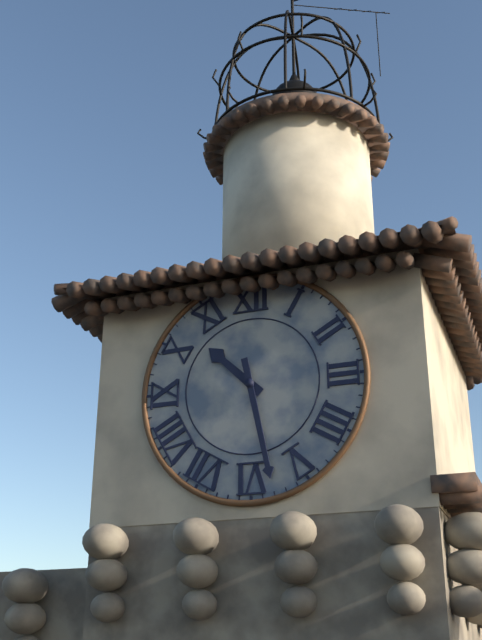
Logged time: 10:28
